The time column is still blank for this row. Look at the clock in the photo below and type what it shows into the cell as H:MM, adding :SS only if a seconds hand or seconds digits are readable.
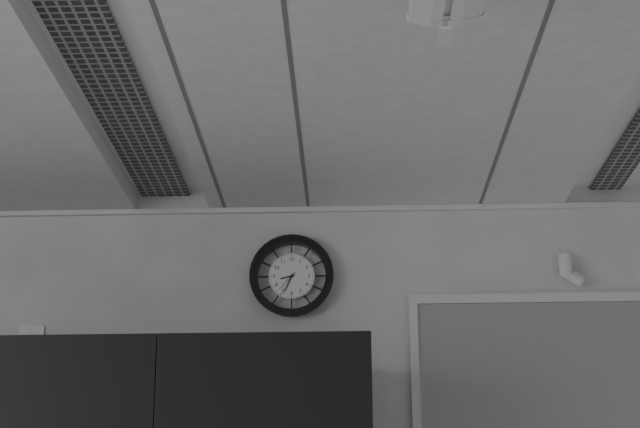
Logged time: 8:34
